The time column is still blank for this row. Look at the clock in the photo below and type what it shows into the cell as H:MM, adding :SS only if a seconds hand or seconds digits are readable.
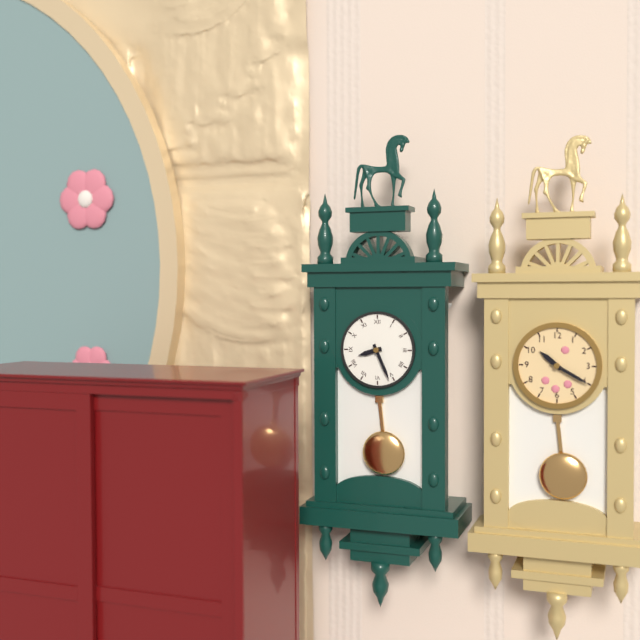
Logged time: 8:26
